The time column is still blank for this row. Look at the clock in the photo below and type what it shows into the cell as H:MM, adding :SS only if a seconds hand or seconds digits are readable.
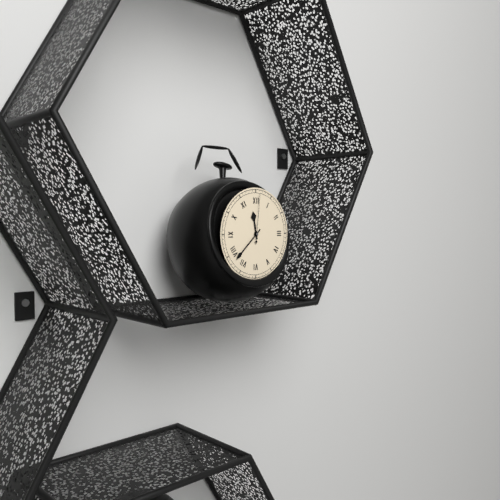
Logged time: 11:38:01
